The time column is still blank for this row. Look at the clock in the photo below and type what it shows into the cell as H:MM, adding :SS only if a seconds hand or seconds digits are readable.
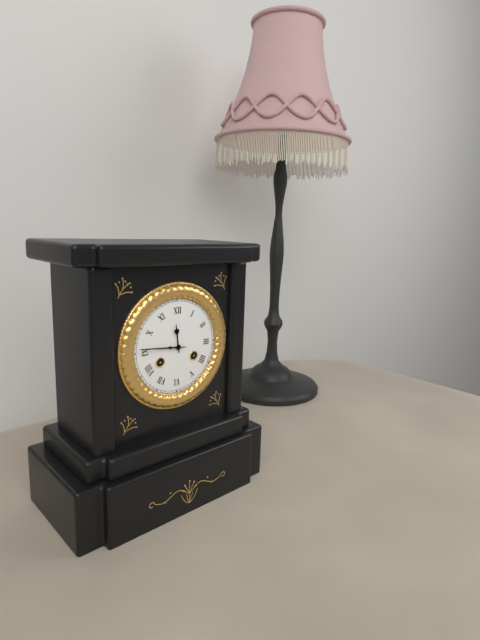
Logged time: 11:46
